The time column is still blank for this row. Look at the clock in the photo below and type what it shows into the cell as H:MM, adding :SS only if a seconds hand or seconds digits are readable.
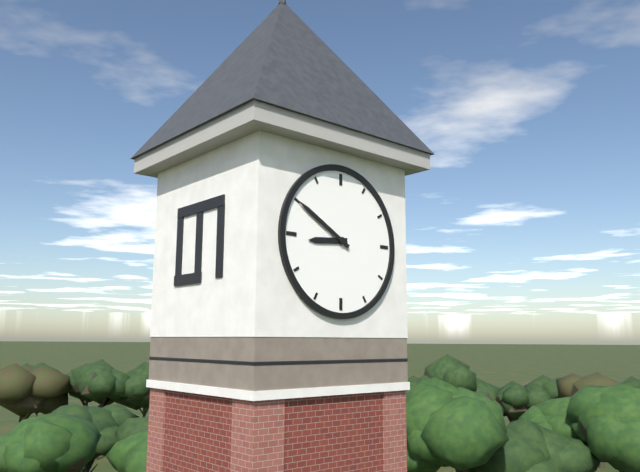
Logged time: 8:50
